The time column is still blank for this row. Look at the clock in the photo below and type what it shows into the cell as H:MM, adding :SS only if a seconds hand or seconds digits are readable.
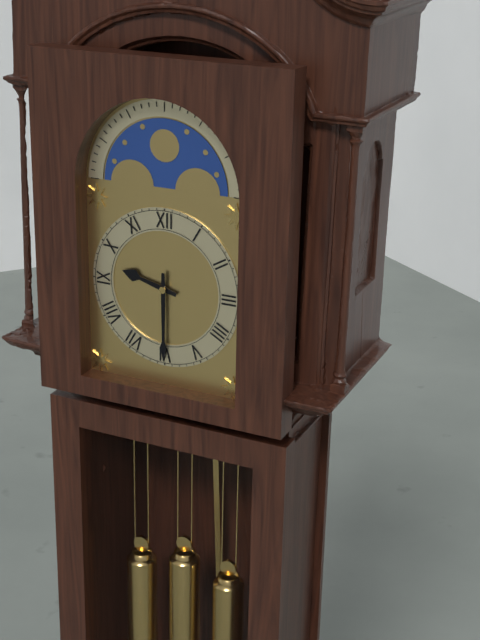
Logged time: 9:30
